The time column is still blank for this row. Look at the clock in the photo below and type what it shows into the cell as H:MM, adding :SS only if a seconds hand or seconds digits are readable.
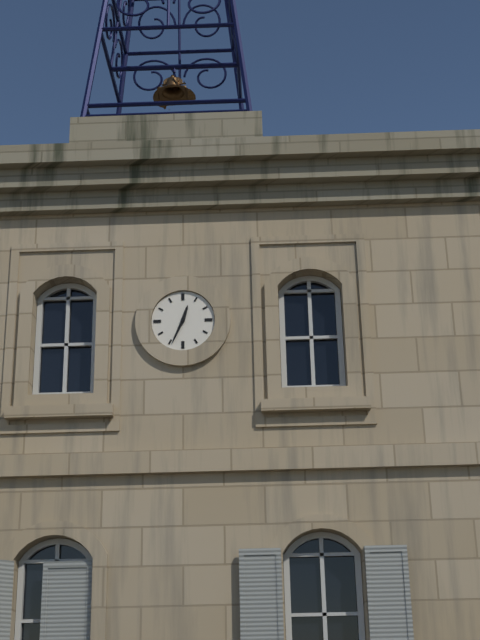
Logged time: 12:34
